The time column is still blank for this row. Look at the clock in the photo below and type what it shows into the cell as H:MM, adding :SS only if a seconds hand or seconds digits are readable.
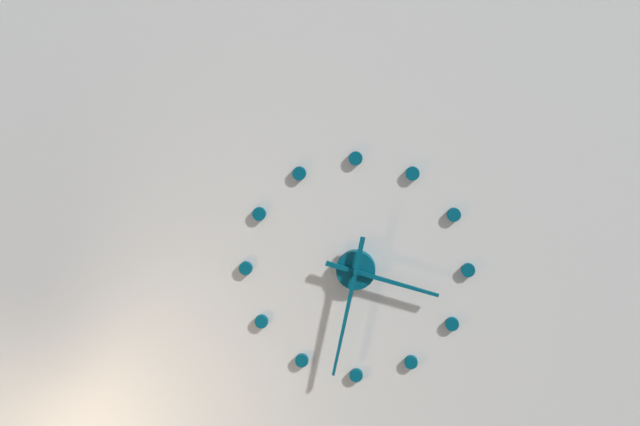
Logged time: 3:32
